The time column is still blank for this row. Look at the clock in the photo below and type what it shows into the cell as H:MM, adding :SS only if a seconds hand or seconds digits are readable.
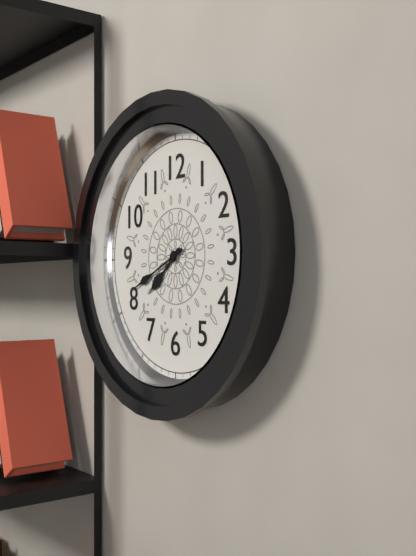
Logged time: 7:41
